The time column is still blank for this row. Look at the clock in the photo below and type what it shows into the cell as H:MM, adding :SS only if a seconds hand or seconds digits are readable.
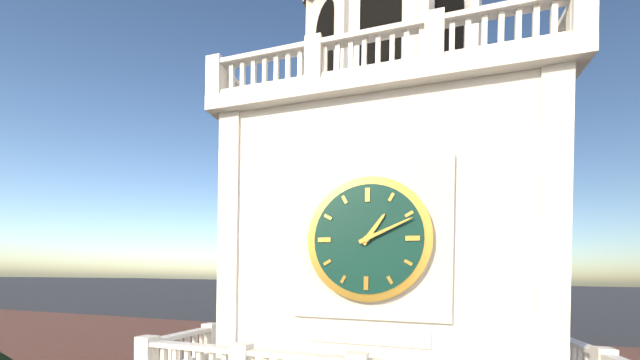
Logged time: 1:11
